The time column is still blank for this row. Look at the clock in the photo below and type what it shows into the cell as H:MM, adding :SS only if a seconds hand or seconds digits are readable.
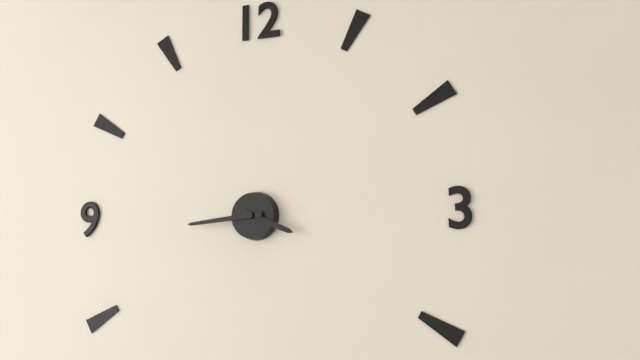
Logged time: 3:44
